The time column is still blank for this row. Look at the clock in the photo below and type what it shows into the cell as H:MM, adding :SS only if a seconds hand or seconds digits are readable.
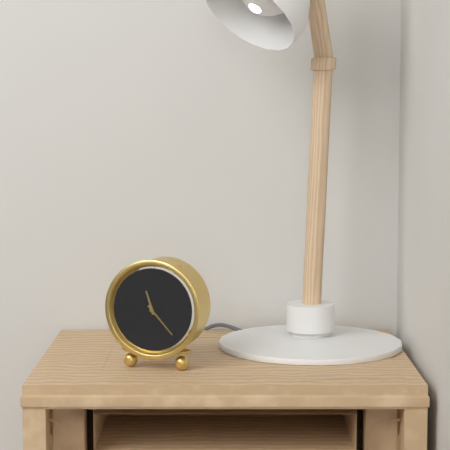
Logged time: 11:23
